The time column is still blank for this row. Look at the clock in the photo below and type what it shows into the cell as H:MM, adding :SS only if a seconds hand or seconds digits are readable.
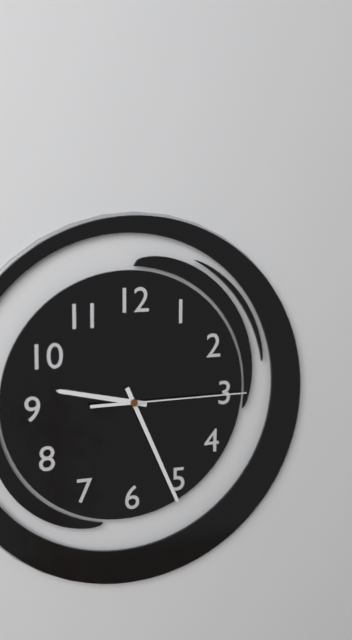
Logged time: 9:26:15
